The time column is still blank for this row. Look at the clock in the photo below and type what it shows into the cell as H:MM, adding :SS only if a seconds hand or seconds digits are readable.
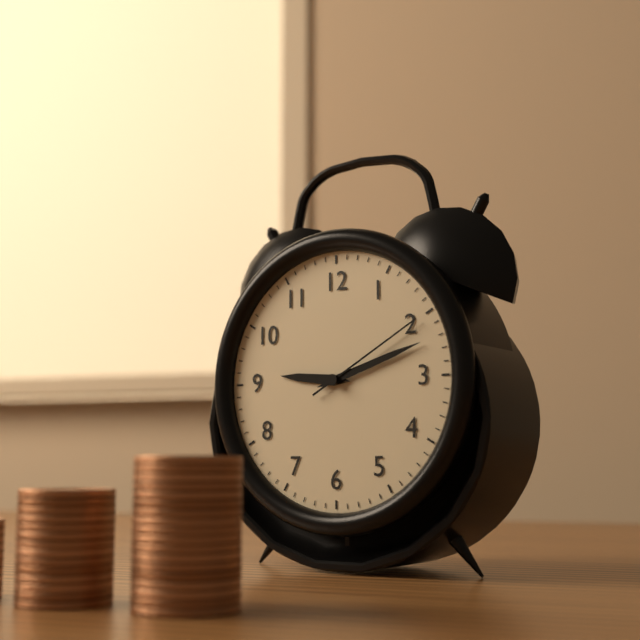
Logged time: 9:12:10
